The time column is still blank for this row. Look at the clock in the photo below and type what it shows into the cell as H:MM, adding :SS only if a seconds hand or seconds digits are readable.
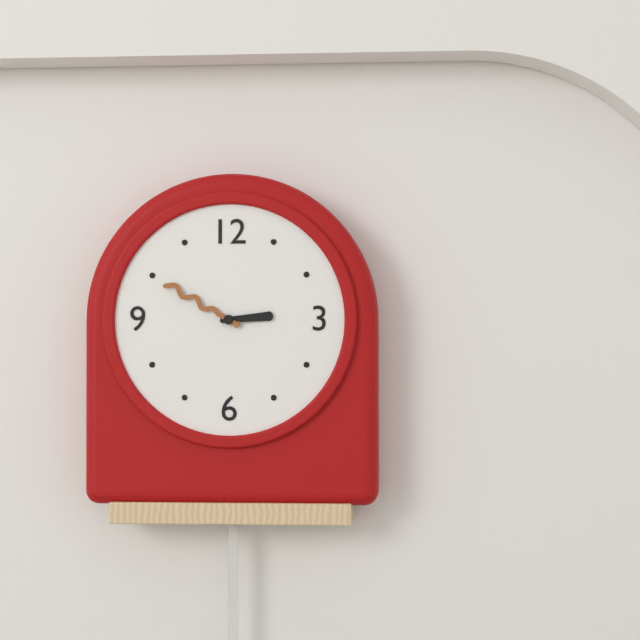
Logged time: 2:50
